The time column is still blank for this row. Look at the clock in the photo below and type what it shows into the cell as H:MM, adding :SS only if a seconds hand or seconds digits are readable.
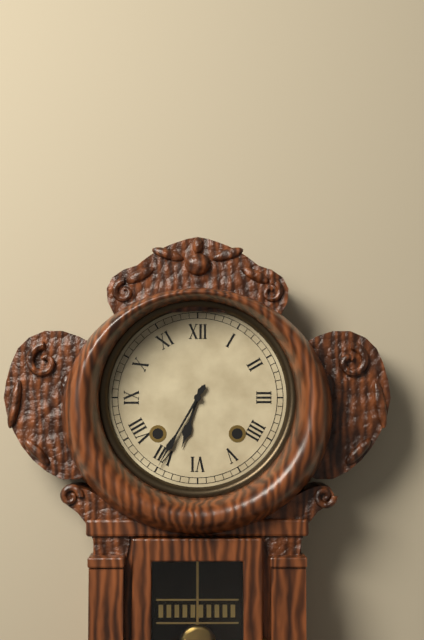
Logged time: 6:35
